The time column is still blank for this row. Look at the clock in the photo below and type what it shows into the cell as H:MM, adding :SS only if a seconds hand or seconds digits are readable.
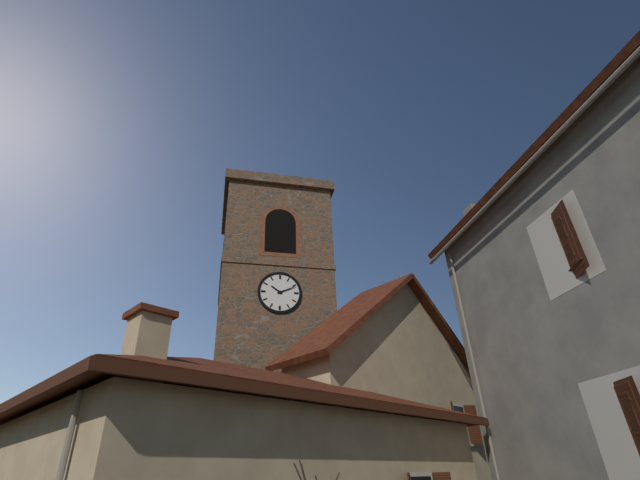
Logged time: 10:11
